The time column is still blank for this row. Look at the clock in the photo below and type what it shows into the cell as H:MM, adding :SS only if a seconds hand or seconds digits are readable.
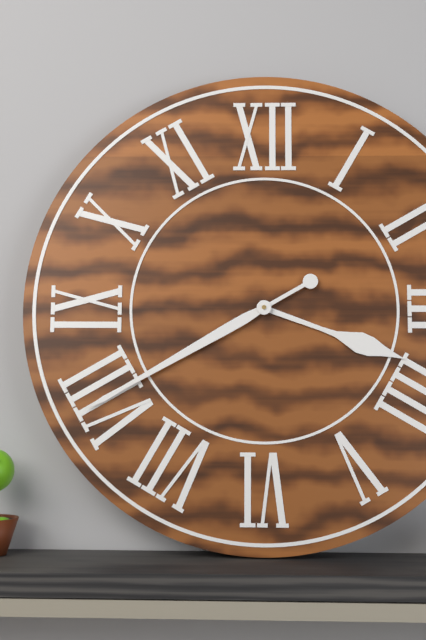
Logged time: 3:40
